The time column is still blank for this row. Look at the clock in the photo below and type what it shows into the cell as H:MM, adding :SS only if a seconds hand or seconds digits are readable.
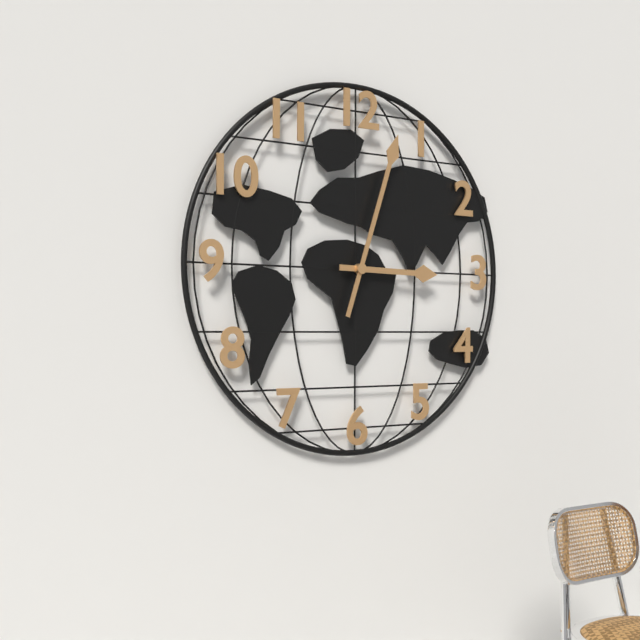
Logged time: 3:03
